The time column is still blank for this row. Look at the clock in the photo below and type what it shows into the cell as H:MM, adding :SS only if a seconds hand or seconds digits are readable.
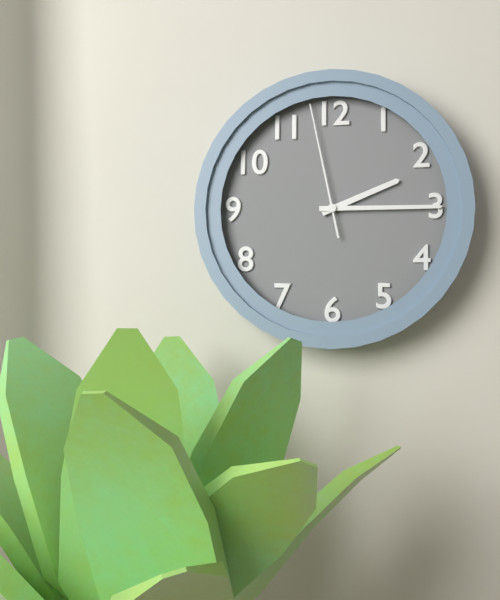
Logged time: 2:15:58
